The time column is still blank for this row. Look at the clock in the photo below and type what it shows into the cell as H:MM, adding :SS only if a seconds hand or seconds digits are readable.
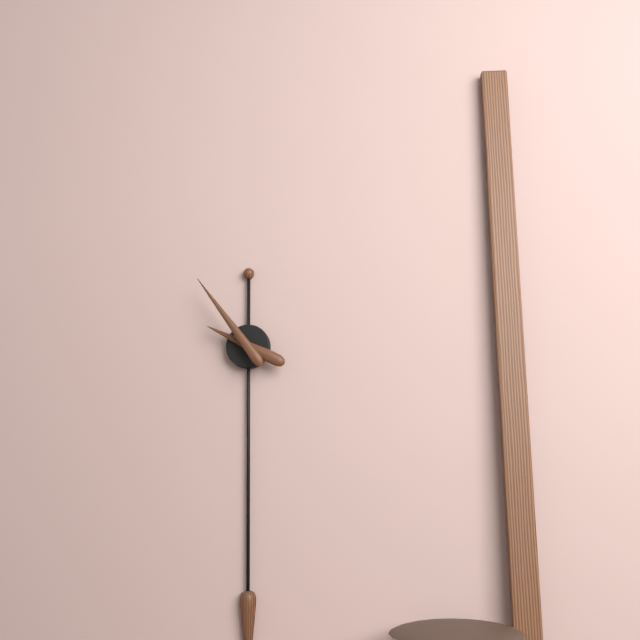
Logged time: 9:54
